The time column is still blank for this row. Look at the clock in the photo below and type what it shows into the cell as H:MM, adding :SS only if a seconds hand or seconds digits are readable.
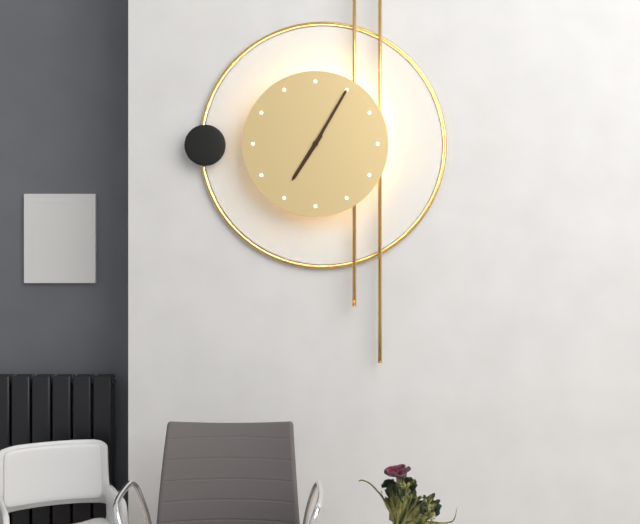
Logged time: 7:05
